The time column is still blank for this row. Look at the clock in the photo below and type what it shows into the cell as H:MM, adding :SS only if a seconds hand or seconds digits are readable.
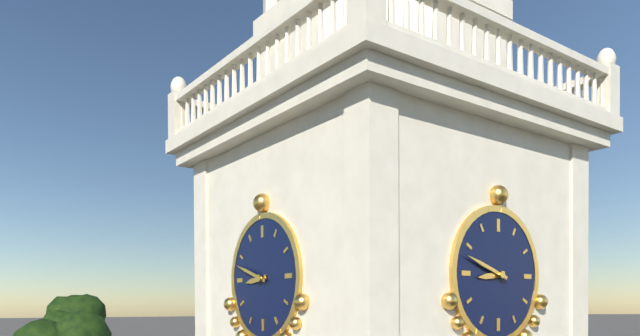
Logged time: 8:48
